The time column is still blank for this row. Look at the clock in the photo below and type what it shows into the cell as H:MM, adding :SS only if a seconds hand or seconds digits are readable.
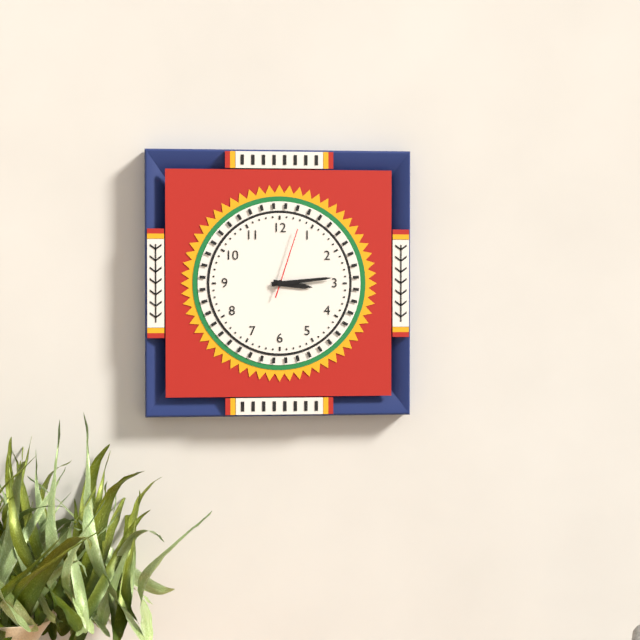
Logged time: 3:14:03
